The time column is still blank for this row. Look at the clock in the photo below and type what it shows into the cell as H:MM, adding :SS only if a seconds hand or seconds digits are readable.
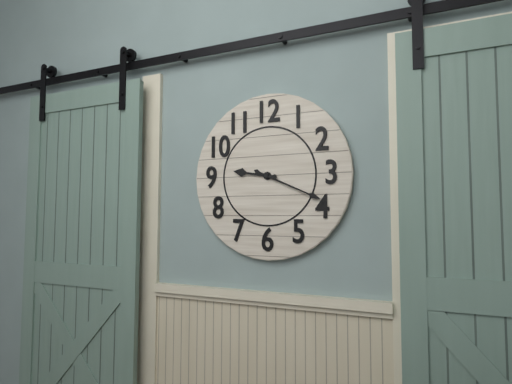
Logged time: 9:19
